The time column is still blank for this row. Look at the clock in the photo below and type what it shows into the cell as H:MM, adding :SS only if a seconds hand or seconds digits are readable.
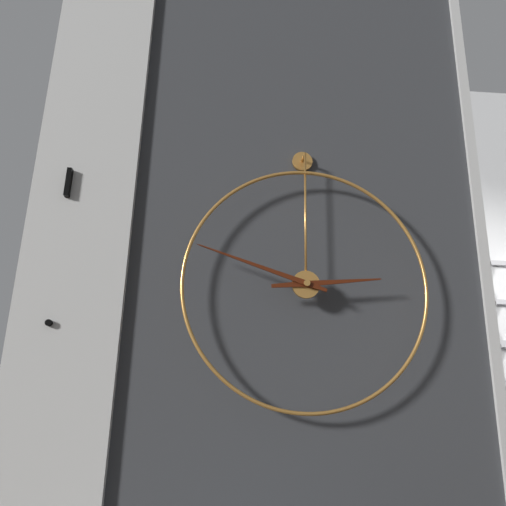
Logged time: 2:48
